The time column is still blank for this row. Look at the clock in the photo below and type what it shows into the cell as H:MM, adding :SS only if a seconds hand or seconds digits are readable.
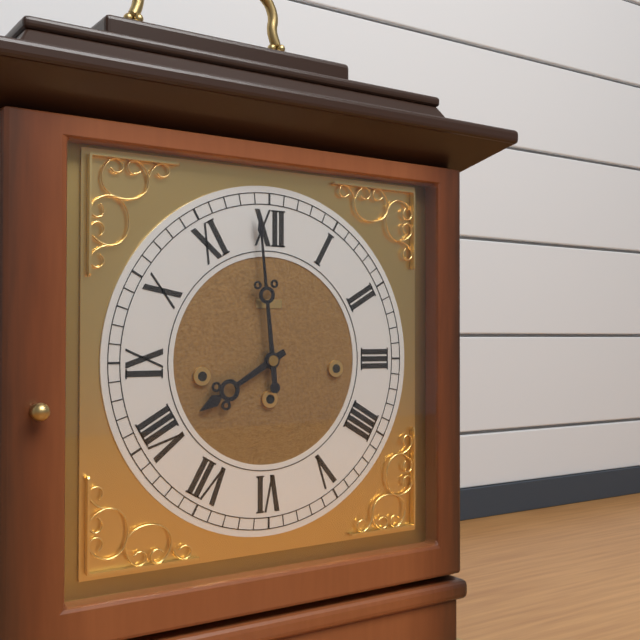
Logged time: 7:59
